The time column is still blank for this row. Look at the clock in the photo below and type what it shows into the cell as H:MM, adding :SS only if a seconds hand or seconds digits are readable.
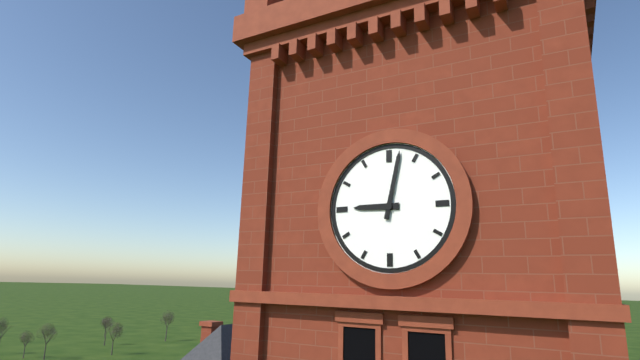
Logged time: 9:02
